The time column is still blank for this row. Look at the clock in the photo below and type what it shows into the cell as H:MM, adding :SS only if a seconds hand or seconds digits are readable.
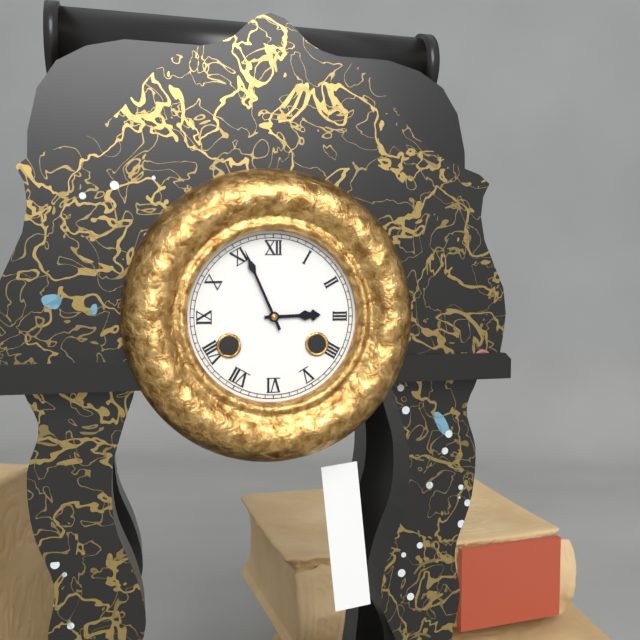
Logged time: 2:56
